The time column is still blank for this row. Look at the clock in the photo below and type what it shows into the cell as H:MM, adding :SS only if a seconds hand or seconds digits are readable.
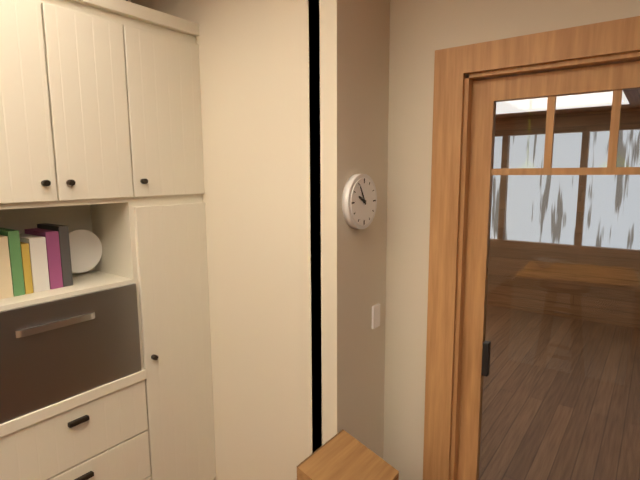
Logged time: 9:55
